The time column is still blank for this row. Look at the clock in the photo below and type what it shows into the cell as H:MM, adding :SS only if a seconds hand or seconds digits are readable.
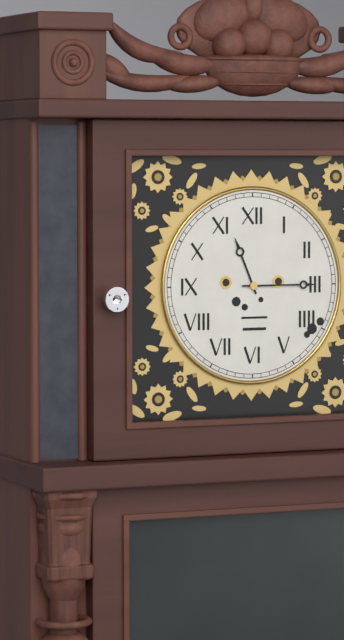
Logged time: 11:15
